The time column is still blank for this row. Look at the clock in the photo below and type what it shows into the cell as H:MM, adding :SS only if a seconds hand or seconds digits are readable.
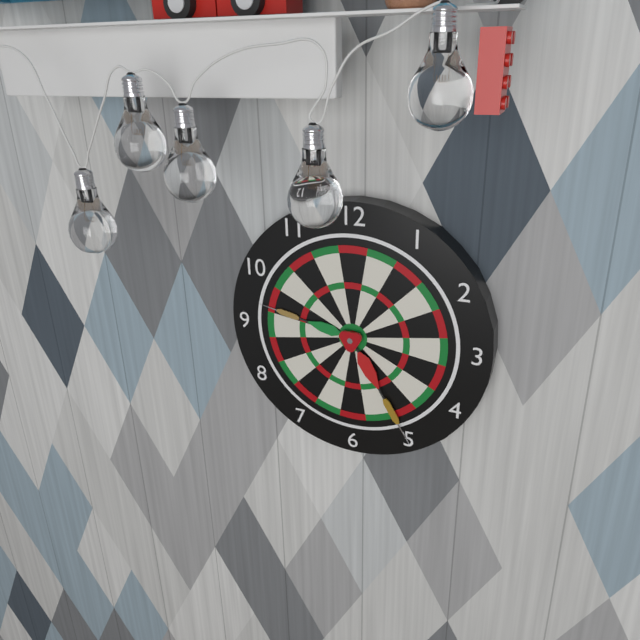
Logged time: 9:25
